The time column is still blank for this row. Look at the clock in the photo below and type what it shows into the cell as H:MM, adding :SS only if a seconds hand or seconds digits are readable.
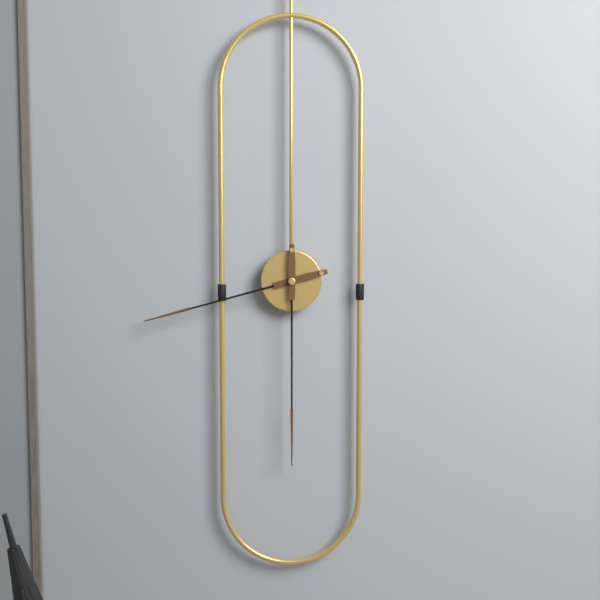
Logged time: 8:30
